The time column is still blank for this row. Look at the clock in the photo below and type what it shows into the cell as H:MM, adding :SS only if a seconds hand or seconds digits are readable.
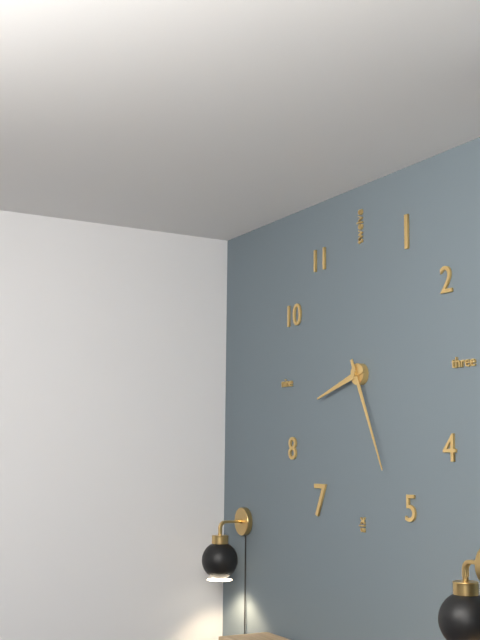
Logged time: 8:26
